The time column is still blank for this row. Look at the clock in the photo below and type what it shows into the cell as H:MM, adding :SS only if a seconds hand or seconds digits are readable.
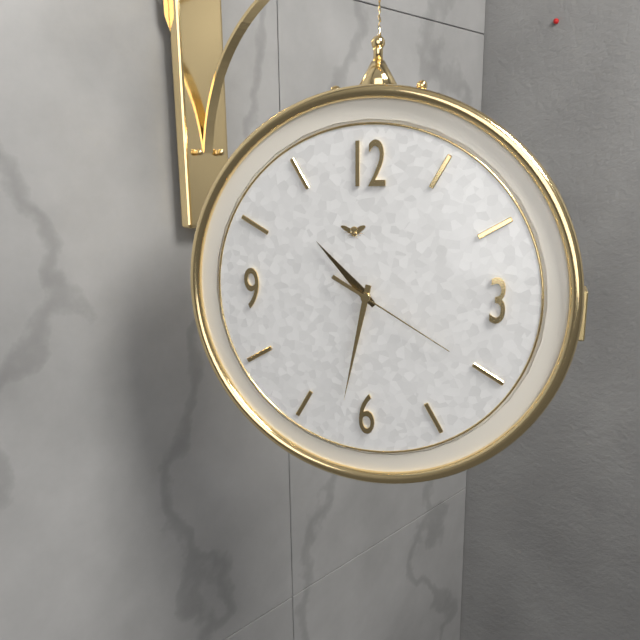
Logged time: 10:32:20
